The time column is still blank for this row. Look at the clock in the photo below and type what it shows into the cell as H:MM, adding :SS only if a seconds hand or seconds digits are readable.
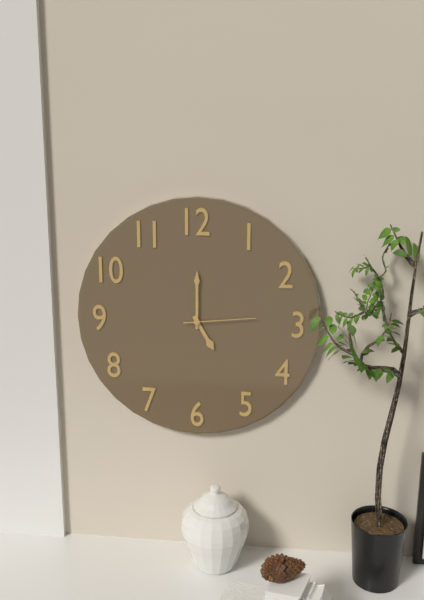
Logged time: 5:00:14
